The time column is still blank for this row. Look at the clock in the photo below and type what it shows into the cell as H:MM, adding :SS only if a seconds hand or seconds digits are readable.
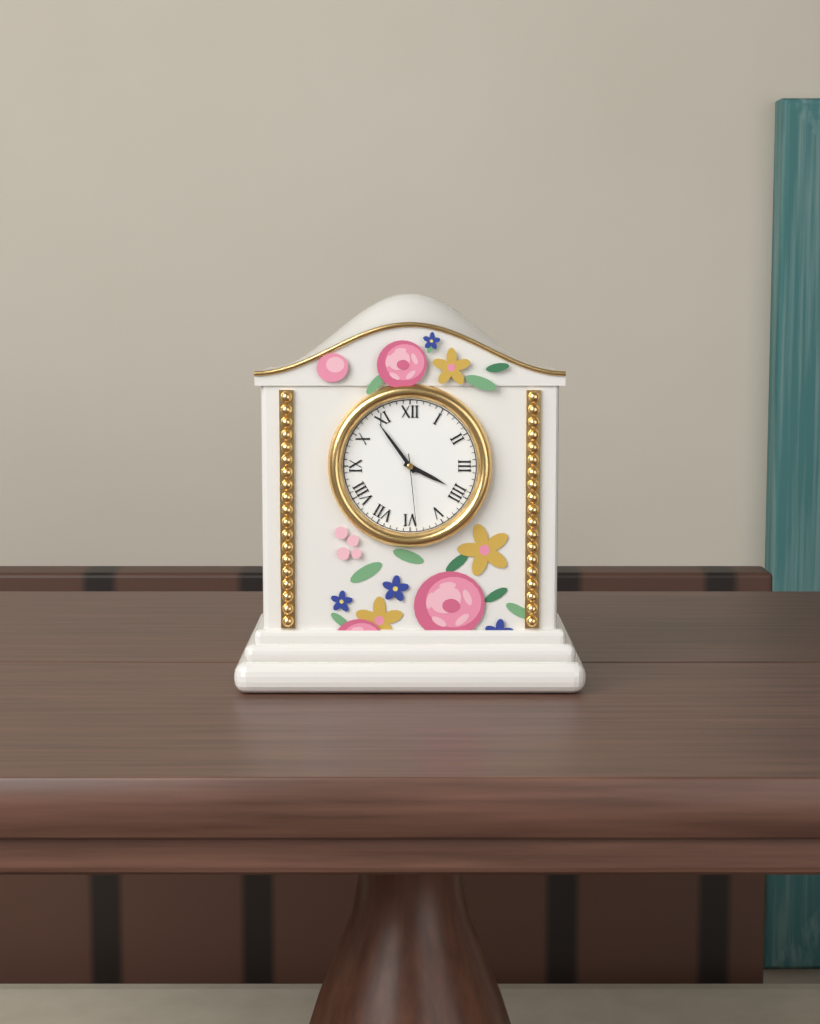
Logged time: 3:54:29
